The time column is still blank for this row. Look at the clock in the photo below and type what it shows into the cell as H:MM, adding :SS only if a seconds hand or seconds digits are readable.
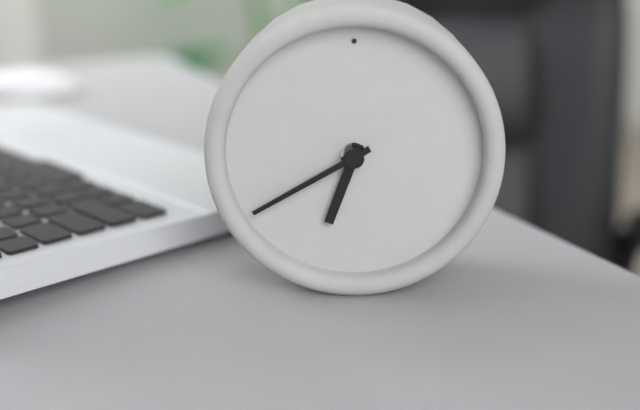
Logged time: 6:40
